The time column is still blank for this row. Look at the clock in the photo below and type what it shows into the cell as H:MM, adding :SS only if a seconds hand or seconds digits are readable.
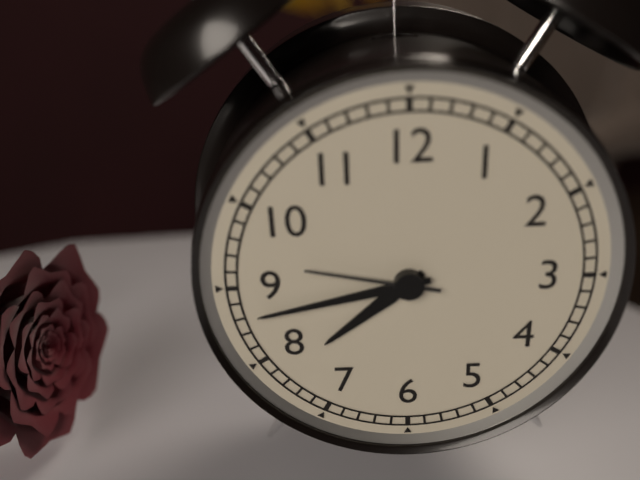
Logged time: 7:43:47
